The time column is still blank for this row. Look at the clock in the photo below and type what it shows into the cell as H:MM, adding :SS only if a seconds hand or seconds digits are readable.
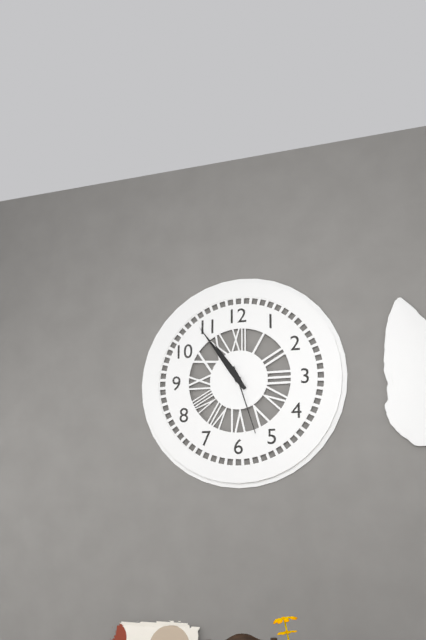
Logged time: 10:54:27
